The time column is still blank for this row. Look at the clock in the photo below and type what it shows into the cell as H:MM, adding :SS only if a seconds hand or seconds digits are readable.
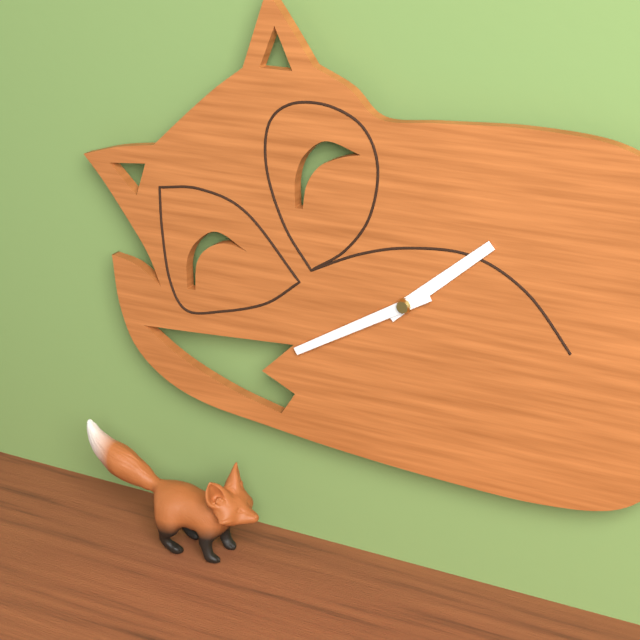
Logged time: 1:40
